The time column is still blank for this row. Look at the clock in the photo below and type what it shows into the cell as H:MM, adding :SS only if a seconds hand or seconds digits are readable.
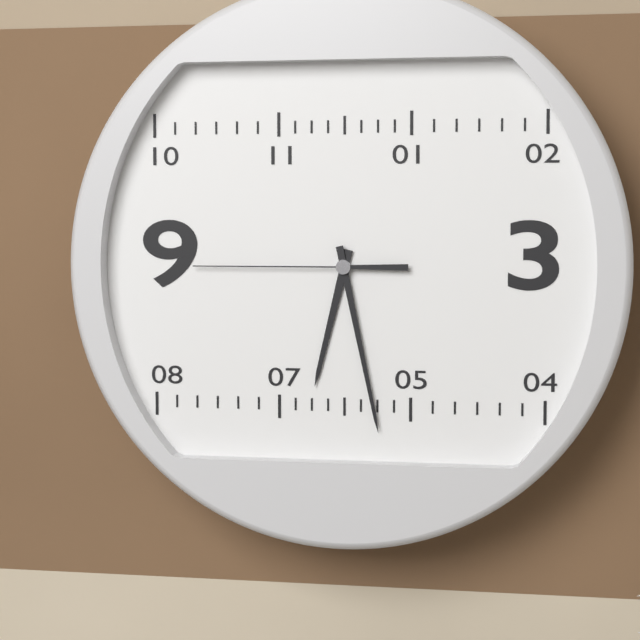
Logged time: 6:28:45
